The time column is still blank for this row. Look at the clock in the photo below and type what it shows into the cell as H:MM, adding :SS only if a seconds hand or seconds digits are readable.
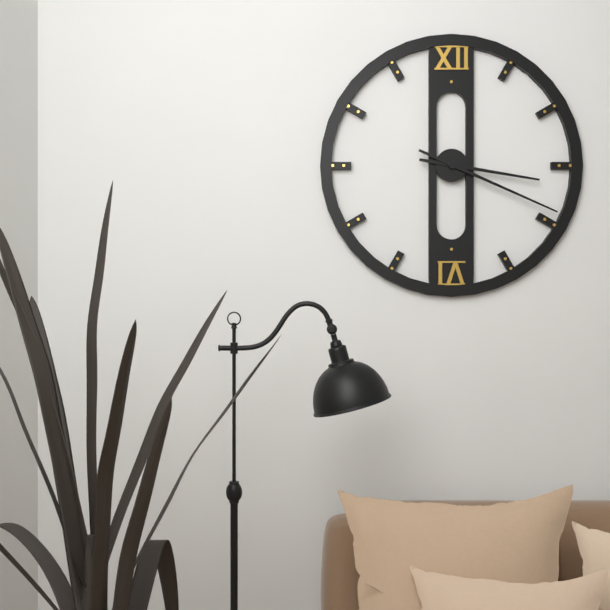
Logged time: 3:19
